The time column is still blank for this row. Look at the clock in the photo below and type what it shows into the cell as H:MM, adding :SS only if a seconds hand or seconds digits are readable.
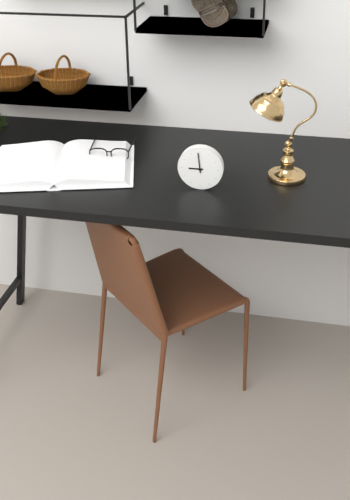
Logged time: 8:59
